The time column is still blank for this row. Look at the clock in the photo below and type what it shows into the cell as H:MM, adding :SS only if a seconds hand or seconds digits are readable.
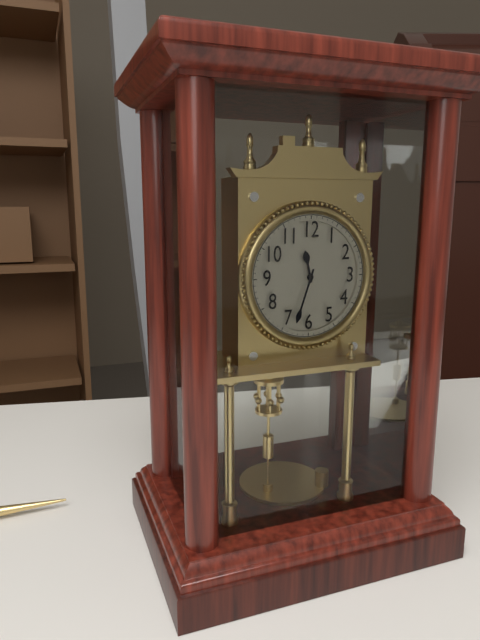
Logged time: 11:33
